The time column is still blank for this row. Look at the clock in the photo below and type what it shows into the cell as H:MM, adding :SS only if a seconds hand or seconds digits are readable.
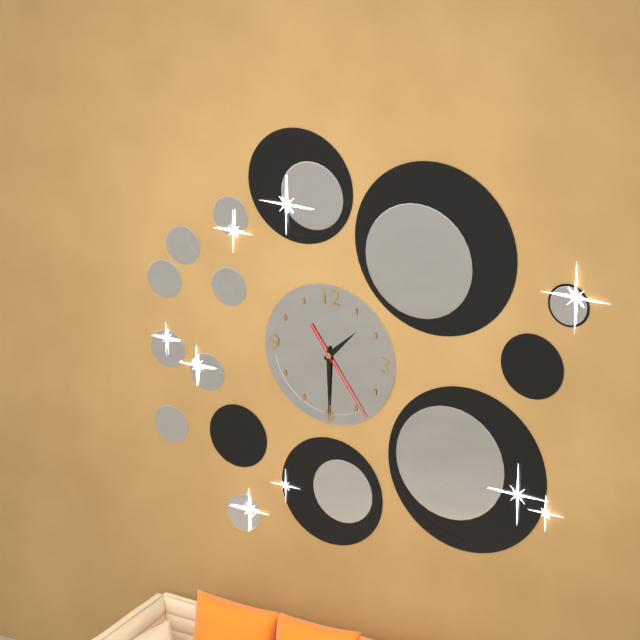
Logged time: 1:30:24
